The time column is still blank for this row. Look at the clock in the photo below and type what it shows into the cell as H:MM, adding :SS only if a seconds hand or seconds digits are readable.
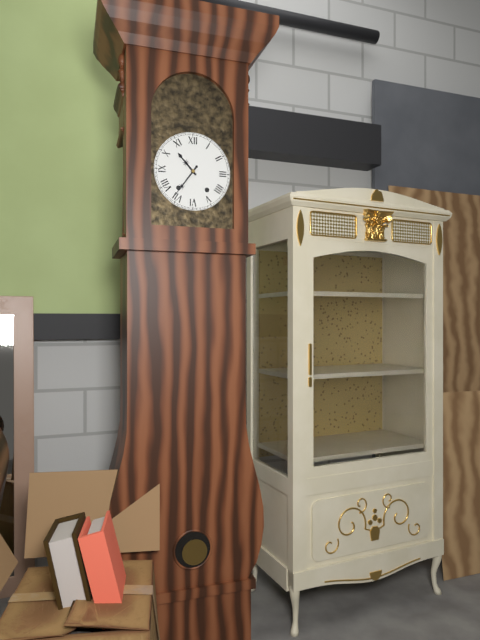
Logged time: 10:36
